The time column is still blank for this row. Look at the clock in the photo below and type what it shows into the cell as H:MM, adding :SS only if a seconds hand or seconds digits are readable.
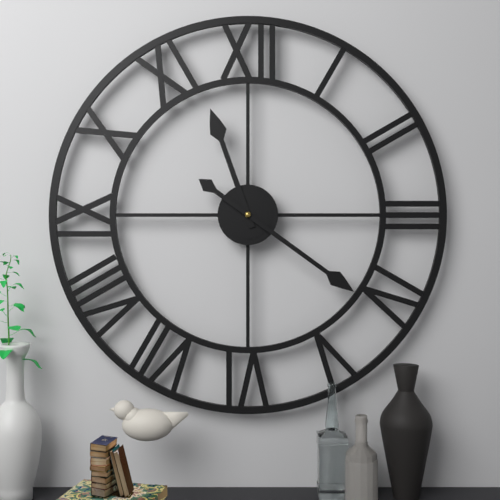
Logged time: 11:21
